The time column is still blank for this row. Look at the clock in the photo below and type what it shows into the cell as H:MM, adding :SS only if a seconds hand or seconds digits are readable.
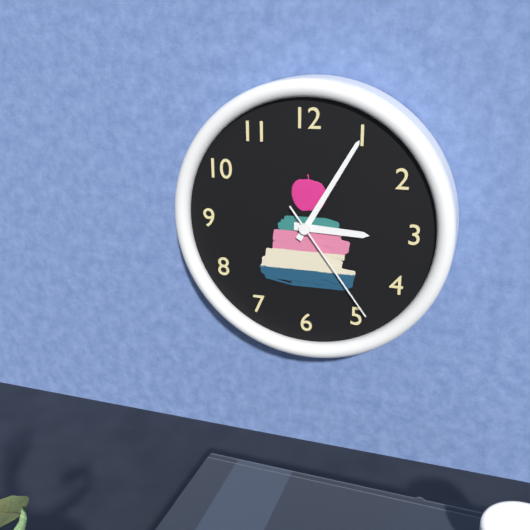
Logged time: 3:05:24
